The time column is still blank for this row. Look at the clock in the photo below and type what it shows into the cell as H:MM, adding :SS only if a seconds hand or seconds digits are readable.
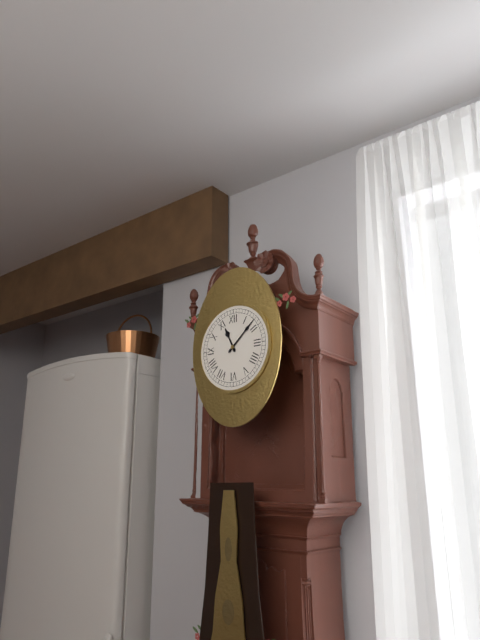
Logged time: 11:08
